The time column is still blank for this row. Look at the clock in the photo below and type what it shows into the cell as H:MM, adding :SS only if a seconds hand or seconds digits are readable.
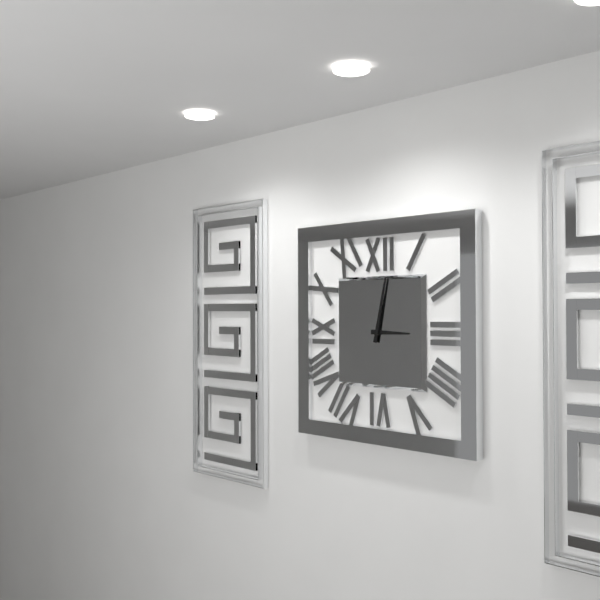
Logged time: 3:02
